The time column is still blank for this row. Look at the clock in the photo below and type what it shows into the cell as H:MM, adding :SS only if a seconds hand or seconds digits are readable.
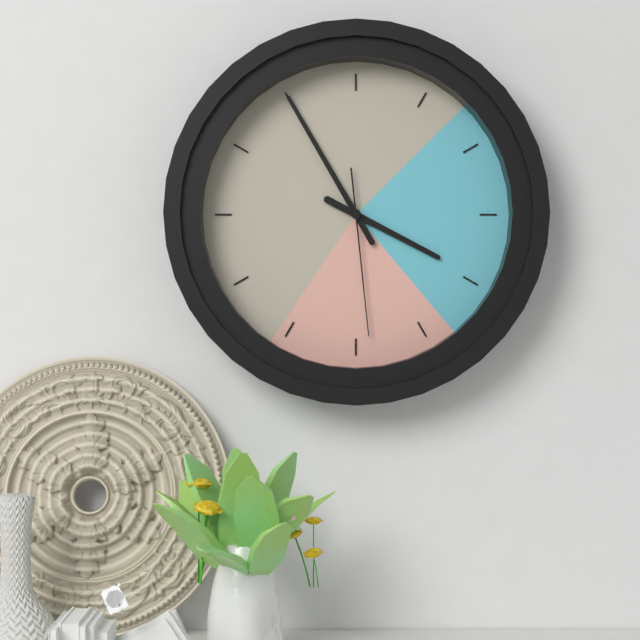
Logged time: 3:55:29
